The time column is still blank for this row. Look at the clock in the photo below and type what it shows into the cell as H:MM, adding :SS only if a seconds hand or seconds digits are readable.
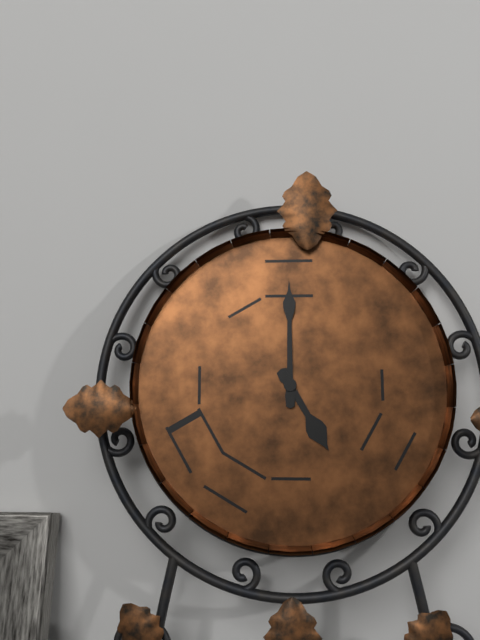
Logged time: 5:00
